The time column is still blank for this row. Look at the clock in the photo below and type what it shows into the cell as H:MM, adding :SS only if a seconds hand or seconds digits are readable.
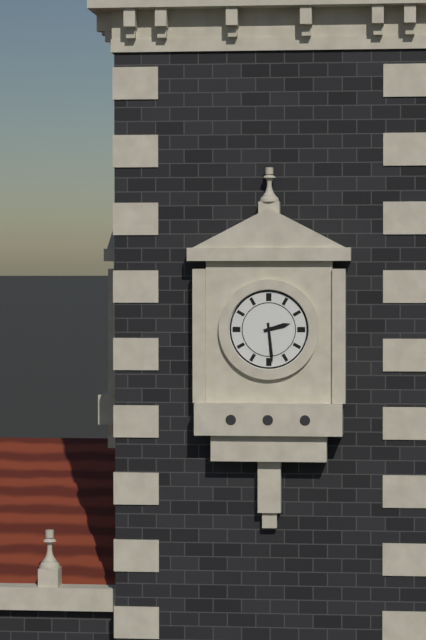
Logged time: 2:29
